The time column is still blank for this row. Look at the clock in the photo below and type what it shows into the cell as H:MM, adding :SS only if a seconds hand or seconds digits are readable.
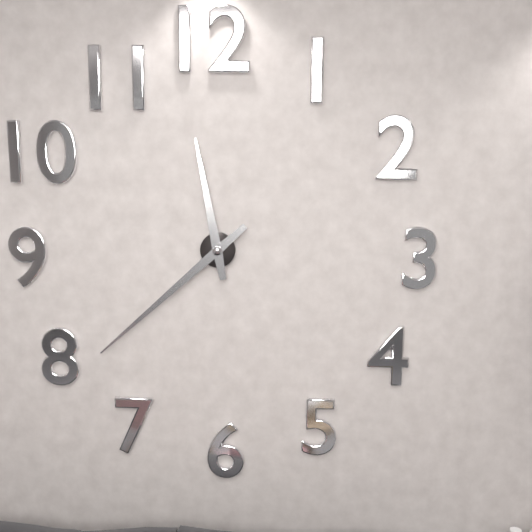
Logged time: 11:38
